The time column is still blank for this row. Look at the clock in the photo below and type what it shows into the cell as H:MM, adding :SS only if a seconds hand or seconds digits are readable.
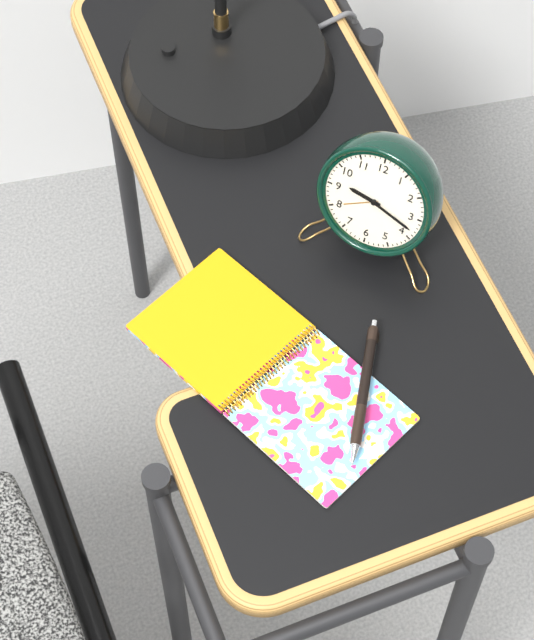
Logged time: 9:18
